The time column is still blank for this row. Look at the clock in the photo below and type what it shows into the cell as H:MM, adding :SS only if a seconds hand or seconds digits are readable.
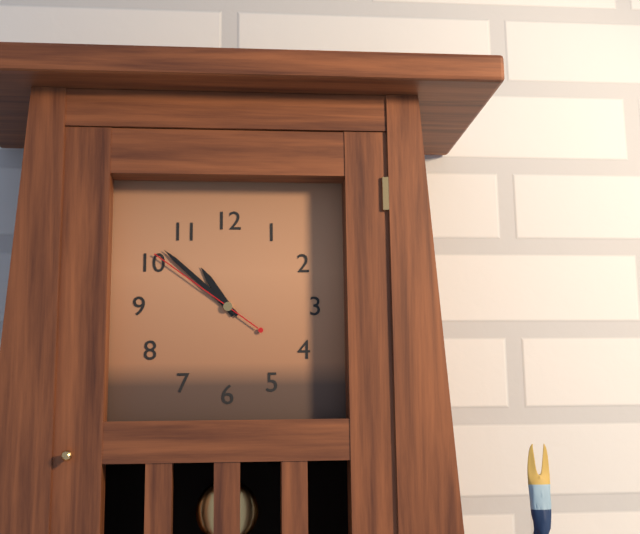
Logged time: 10:52:51
